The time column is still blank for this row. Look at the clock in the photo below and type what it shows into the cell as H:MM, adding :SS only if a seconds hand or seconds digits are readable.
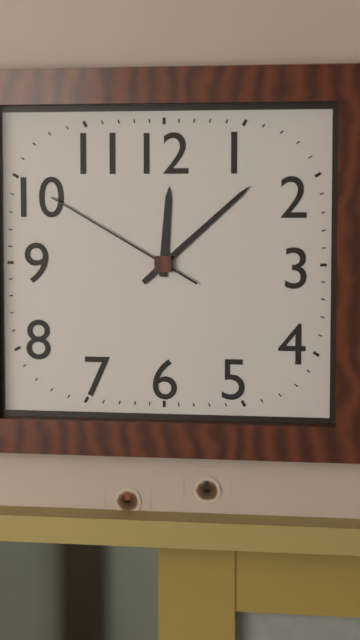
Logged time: 12:08:50
